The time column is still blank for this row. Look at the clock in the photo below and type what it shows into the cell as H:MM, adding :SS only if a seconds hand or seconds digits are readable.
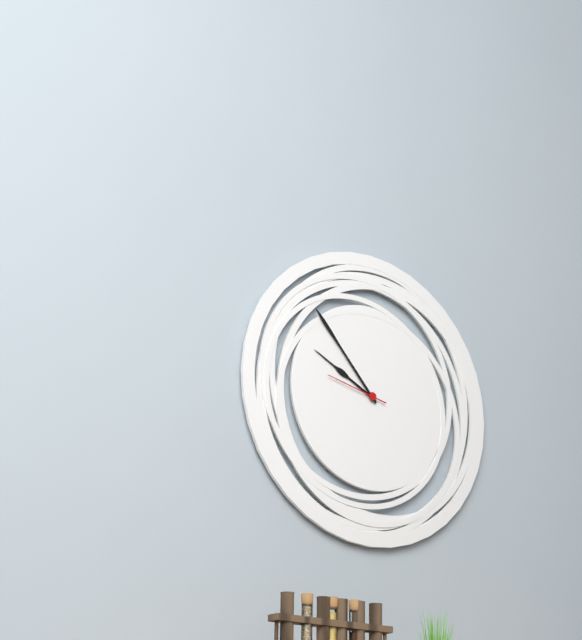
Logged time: 9:53:47
